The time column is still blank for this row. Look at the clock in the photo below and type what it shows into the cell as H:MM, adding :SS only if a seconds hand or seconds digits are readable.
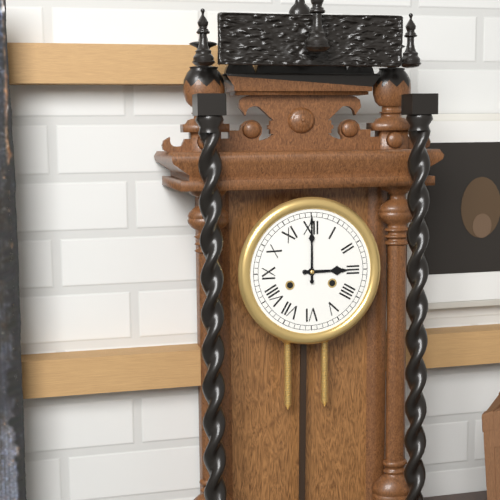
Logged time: 3:00
